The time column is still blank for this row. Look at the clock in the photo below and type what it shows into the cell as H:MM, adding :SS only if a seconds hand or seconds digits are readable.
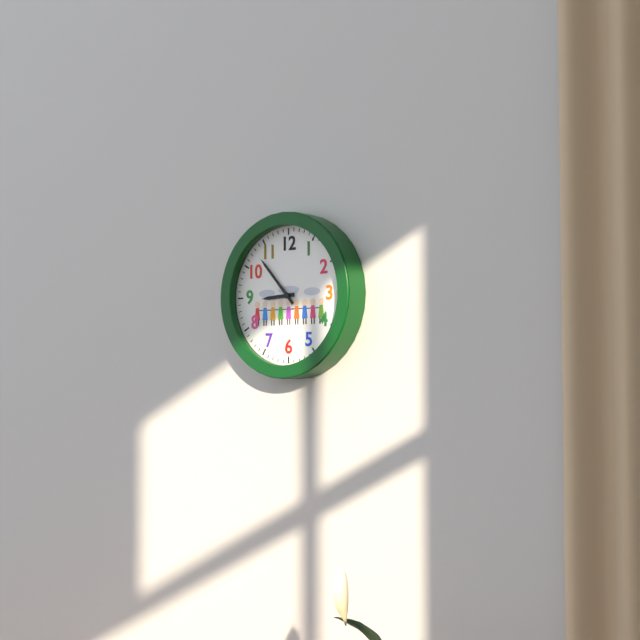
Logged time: 8:53
